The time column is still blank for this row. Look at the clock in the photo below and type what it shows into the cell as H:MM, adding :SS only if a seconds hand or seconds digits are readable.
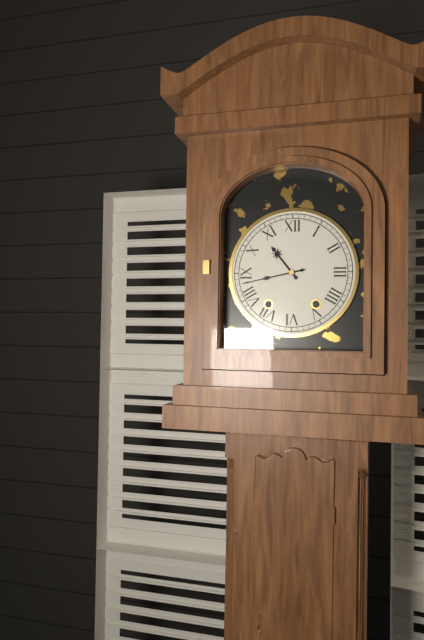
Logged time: 10:43
